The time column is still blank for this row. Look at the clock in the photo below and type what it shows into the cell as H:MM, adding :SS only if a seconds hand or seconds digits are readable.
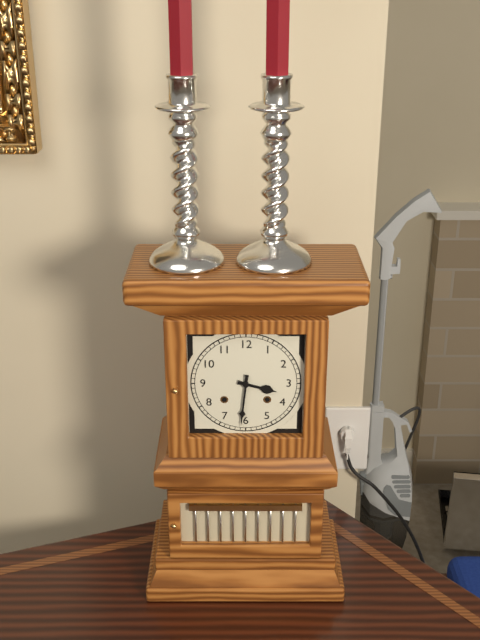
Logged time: 3:31
